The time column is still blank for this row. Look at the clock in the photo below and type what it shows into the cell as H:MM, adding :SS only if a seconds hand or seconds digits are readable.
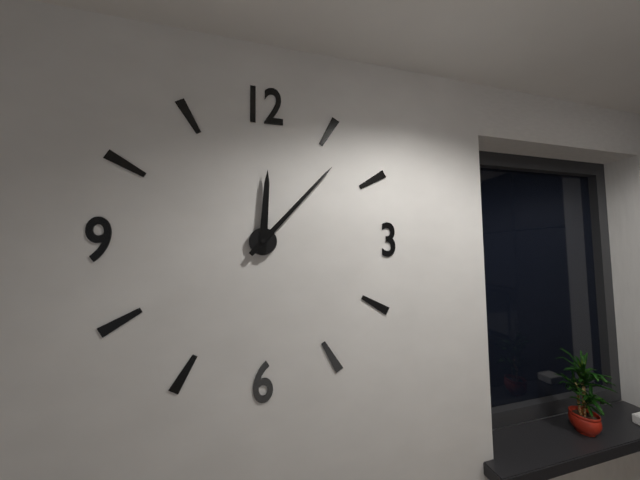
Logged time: 12:07
